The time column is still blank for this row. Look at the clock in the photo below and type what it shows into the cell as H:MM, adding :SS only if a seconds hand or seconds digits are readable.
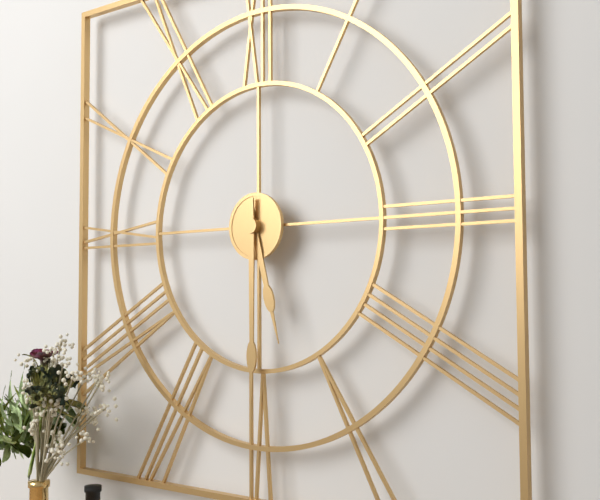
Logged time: 5:30
